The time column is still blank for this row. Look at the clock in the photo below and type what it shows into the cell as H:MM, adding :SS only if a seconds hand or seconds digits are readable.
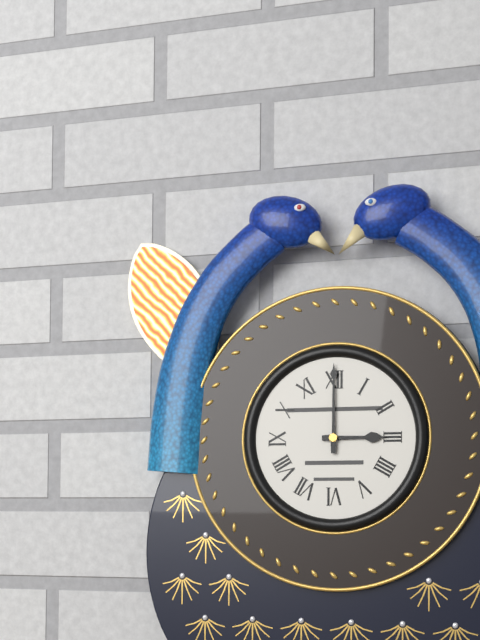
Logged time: 3:00
